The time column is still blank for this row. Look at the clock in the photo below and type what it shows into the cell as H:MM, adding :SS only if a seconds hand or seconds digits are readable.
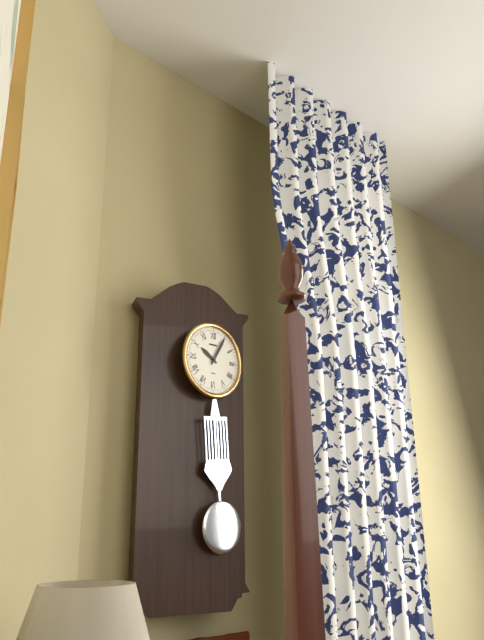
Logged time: 10:05
